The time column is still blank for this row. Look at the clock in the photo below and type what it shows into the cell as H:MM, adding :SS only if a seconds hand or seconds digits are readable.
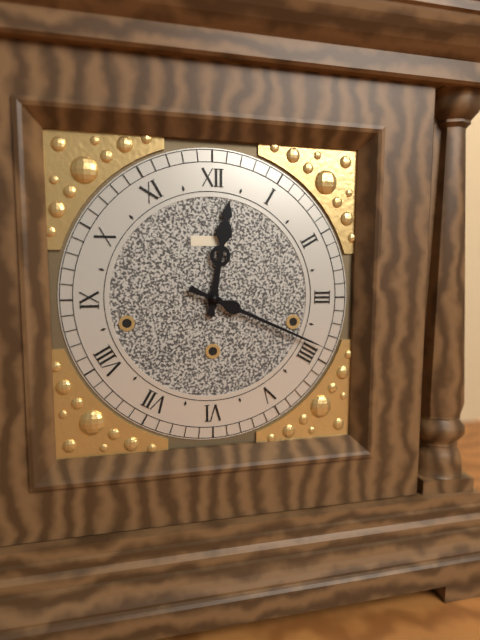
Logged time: 12:19
